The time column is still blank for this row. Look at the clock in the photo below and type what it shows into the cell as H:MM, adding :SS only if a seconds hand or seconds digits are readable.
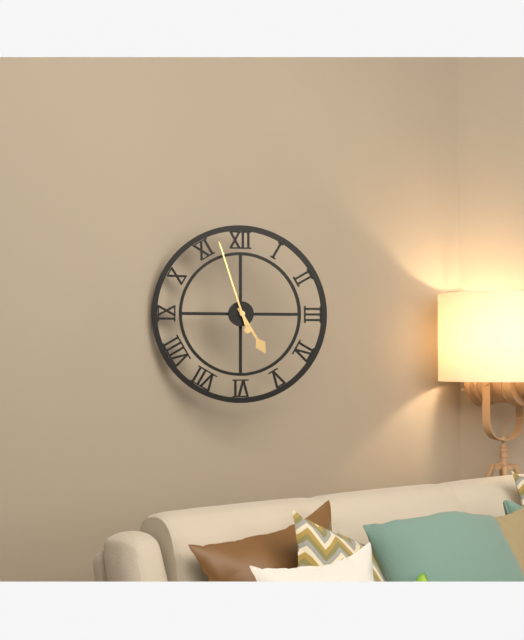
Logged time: 4:57
